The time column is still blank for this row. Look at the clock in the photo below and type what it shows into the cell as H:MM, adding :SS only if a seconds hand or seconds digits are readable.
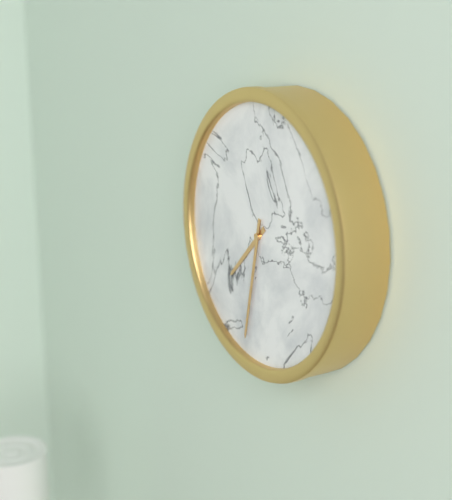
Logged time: 7:32
